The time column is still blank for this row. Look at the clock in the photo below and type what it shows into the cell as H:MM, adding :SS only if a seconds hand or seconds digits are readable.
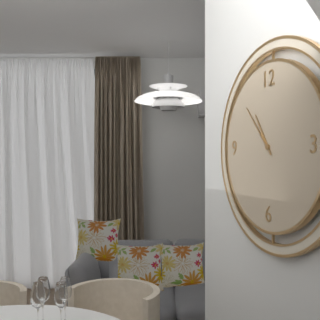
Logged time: 10:53
